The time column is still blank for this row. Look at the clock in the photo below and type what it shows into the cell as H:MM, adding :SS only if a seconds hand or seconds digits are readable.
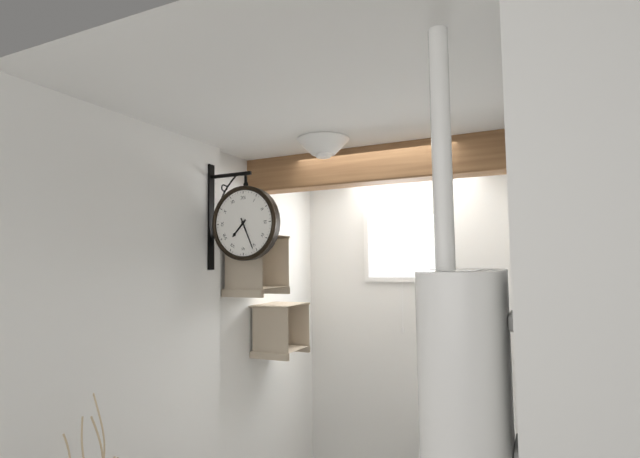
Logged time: 7:26
